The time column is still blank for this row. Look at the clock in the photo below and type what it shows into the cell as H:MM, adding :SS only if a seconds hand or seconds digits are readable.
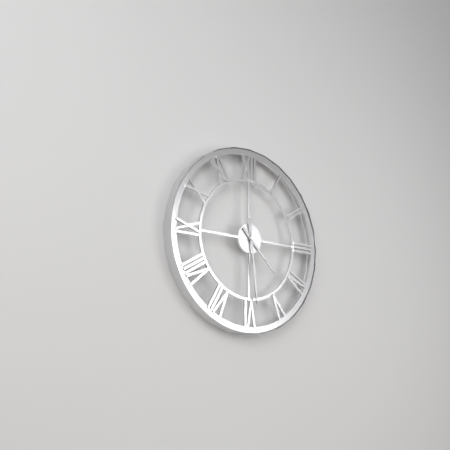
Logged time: 4:29
